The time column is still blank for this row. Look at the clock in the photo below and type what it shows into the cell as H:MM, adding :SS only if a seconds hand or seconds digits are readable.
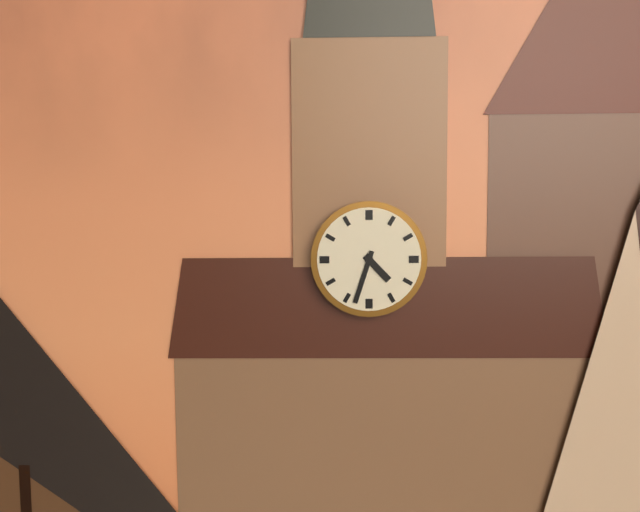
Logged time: 4:33
